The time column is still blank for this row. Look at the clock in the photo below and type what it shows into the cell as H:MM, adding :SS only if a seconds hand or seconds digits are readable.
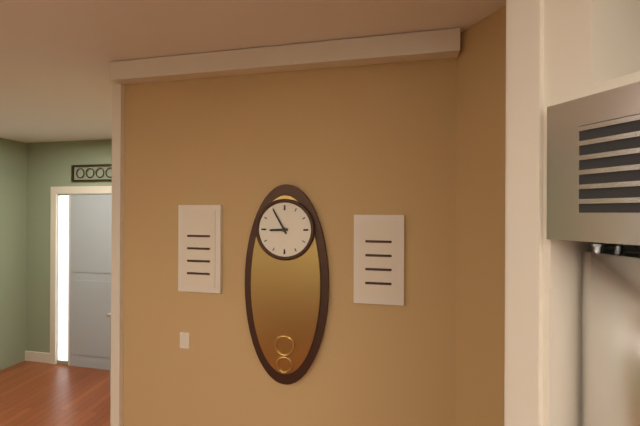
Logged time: 8:55
